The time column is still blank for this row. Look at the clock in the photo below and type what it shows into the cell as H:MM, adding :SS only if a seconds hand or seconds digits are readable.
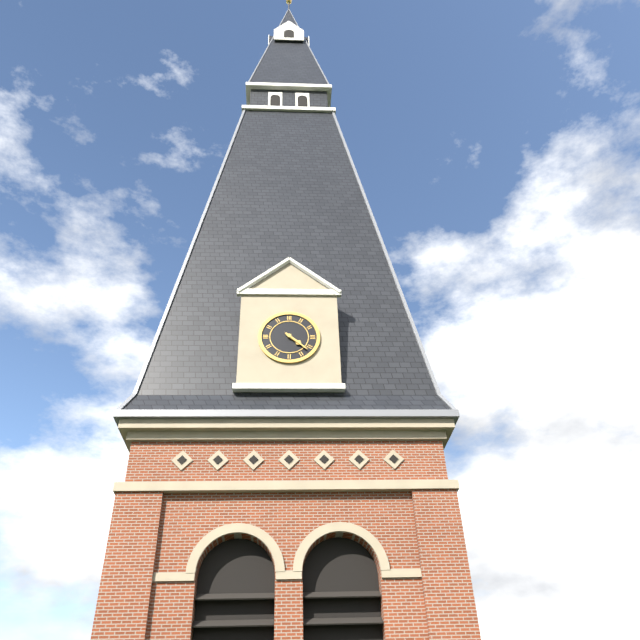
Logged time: 4:22
